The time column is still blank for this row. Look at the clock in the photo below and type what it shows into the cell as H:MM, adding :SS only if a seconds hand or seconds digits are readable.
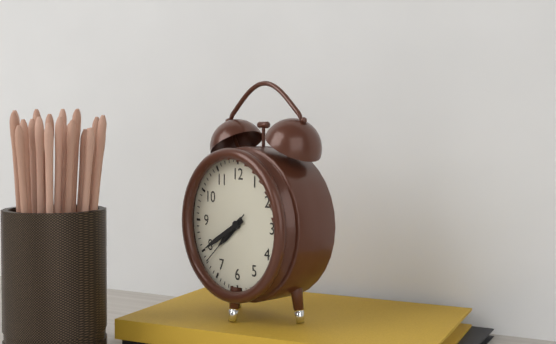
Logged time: 7:40:38
